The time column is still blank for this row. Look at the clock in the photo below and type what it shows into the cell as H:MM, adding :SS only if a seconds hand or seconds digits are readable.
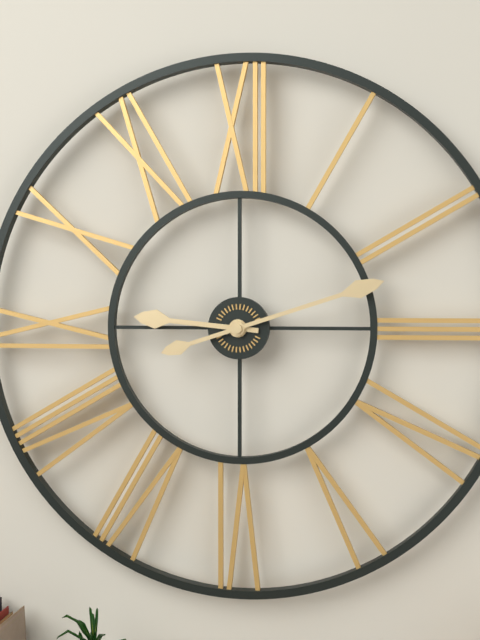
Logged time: 9:12
